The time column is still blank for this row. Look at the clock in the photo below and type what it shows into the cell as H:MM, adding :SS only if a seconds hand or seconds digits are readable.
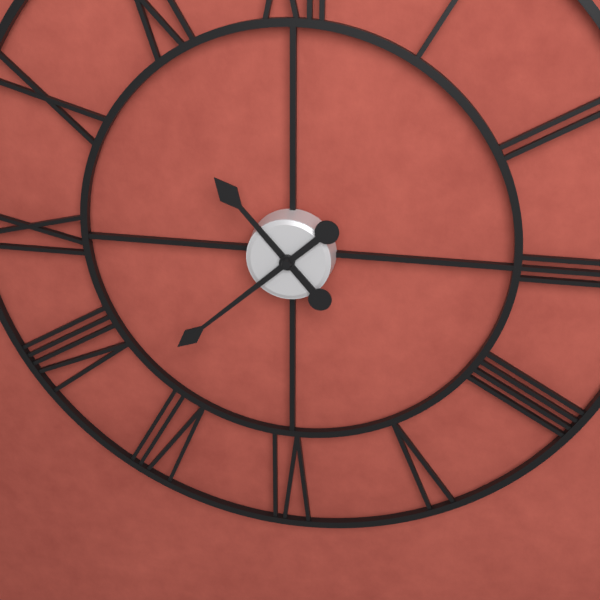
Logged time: 10:38
